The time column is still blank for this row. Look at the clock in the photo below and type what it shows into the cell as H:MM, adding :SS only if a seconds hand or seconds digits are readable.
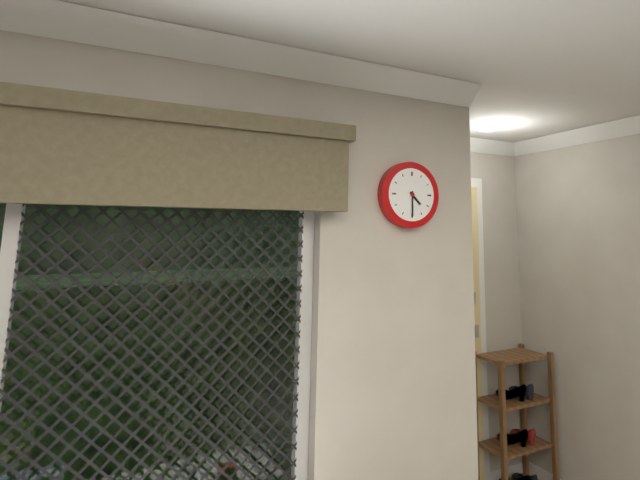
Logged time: 4:30
